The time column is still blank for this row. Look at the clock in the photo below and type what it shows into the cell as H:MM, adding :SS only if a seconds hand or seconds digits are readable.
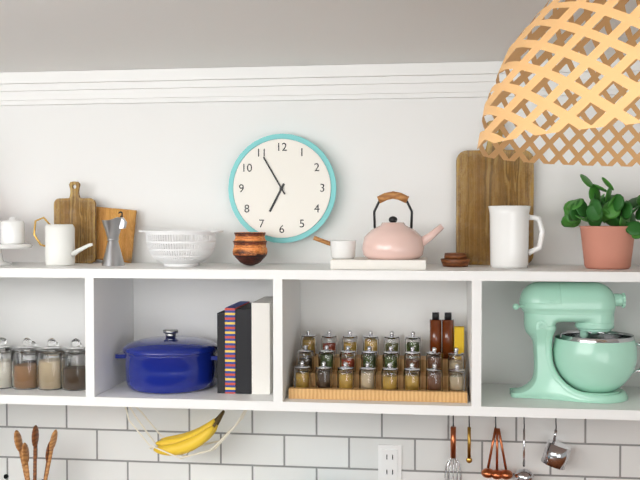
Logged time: 6:55
